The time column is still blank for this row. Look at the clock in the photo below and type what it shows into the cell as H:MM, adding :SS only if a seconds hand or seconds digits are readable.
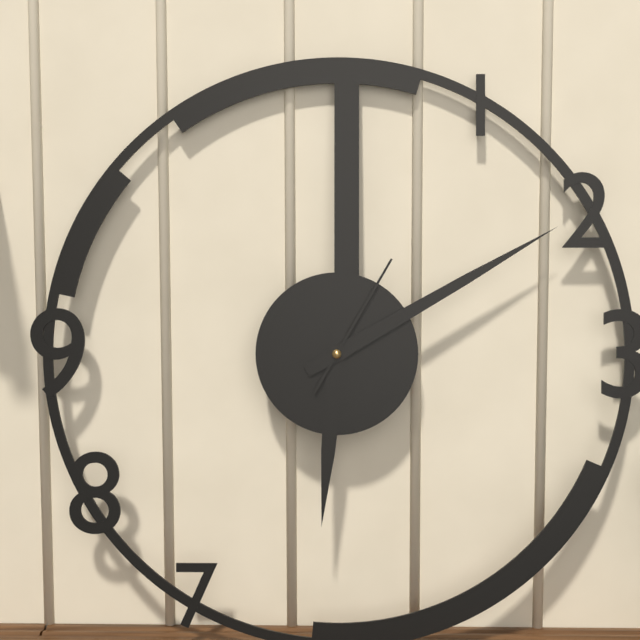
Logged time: 6:10:05
